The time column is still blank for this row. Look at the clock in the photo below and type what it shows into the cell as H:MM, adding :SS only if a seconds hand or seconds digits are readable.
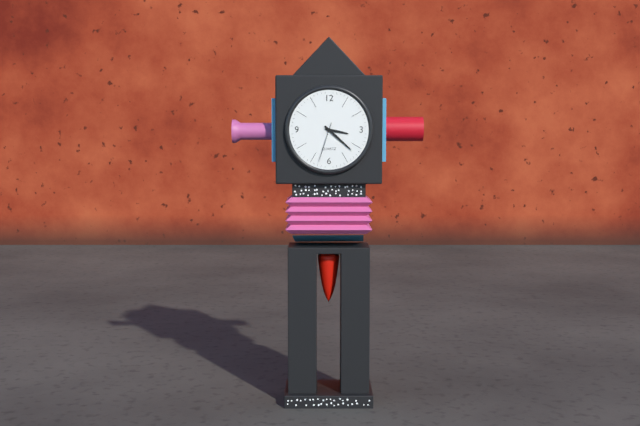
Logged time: 3:22
